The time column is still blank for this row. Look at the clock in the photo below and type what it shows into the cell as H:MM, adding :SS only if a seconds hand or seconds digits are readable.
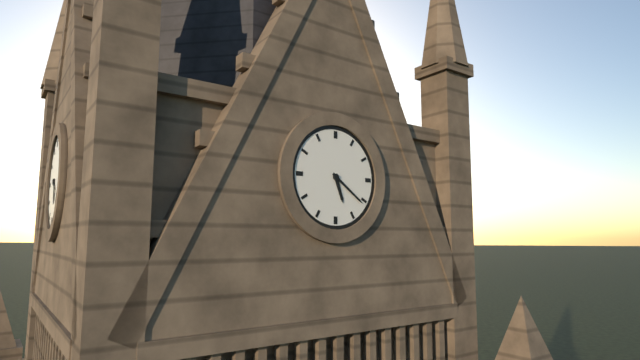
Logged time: 5:21
